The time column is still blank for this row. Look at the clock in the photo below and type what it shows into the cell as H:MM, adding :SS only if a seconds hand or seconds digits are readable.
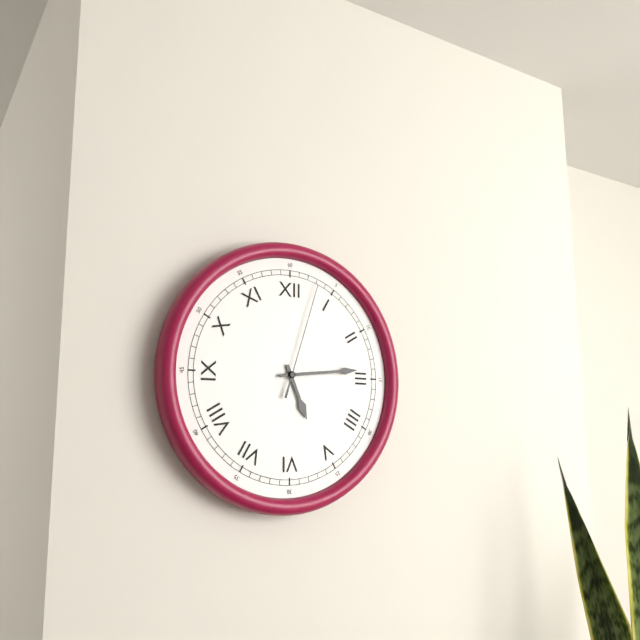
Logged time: 5:14:03
